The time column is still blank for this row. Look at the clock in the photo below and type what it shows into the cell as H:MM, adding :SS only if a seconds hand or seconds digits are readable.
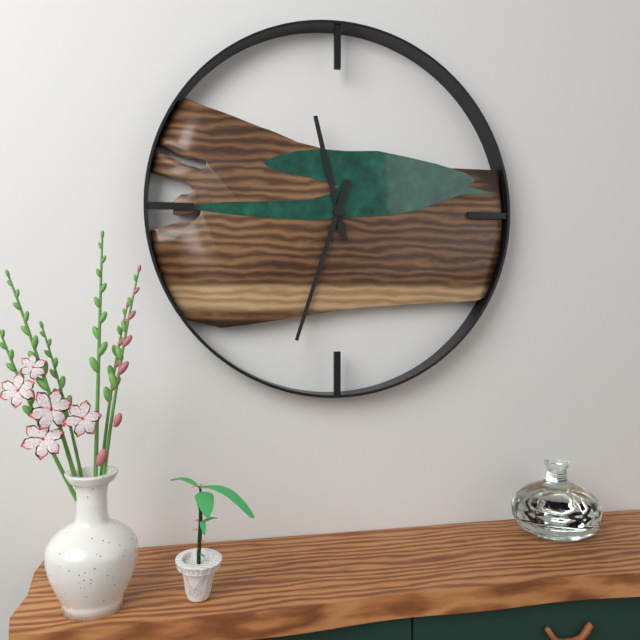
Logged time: 11:33
